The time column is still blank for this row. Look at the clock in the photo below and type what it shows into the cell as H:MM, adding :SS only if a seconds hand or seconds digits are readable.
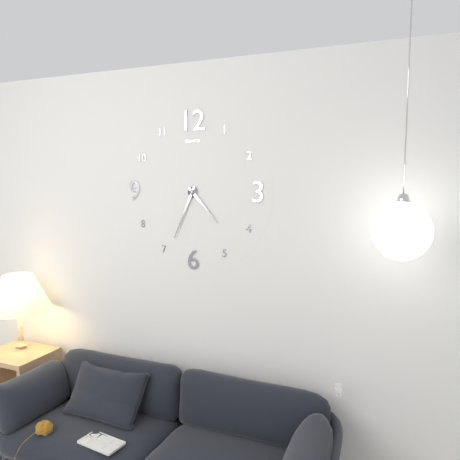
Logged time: 4:34
